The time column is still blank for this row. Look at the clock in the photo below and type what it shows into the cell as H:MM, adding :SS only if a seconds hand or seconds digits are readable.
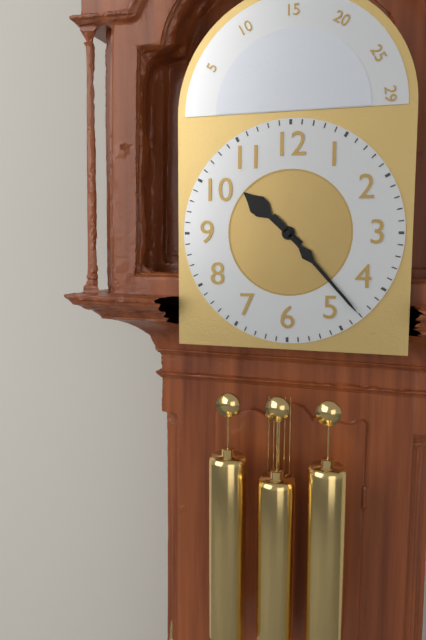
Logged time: 10:23
